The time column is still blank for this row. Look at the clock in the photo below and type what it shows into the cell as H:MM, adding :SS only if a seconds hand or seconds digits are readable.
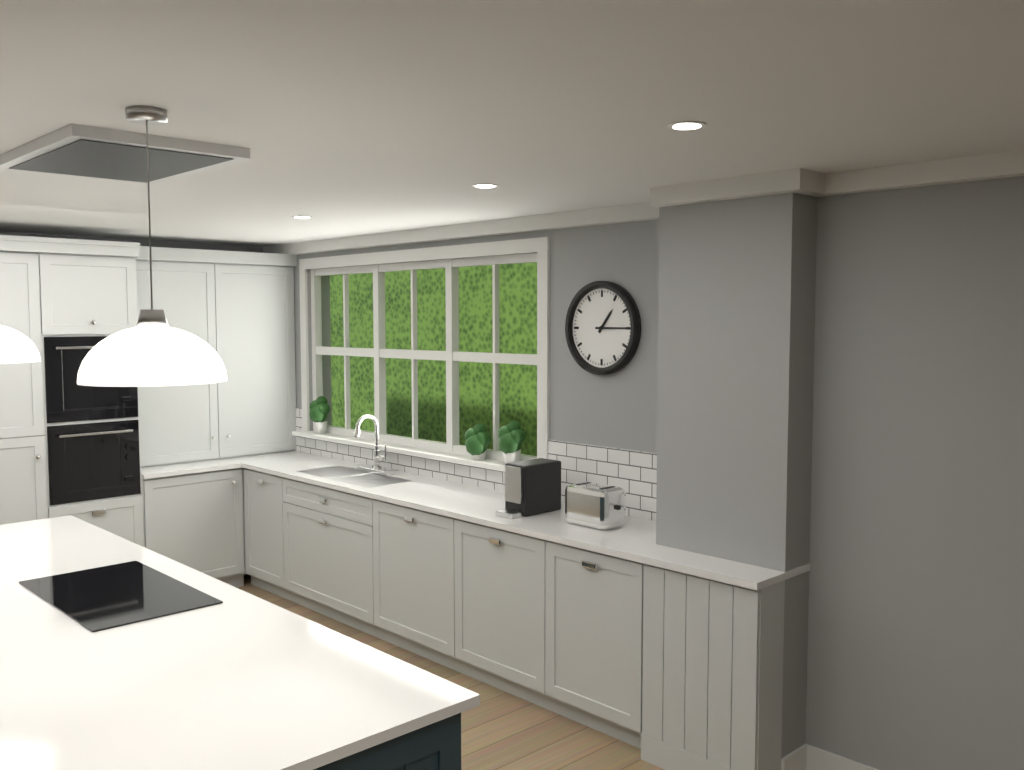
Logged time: 1:15
